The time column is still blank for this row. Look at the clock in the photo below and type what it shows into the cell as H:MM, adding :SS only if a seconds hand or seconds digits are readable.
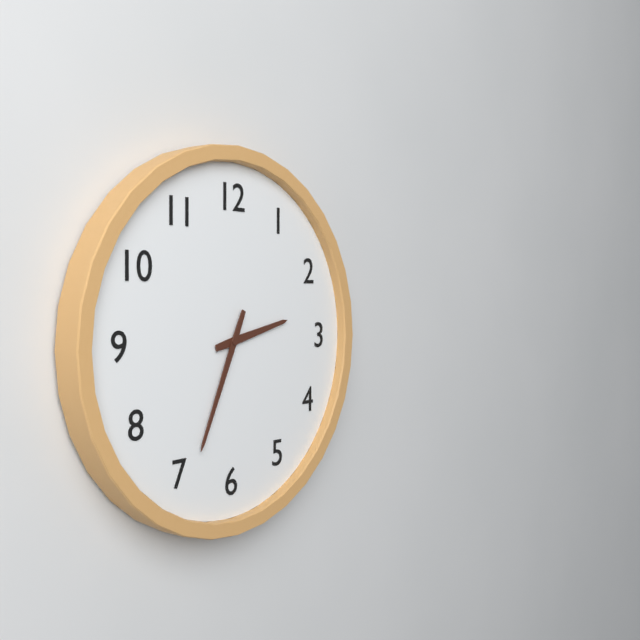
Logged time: 2:34
